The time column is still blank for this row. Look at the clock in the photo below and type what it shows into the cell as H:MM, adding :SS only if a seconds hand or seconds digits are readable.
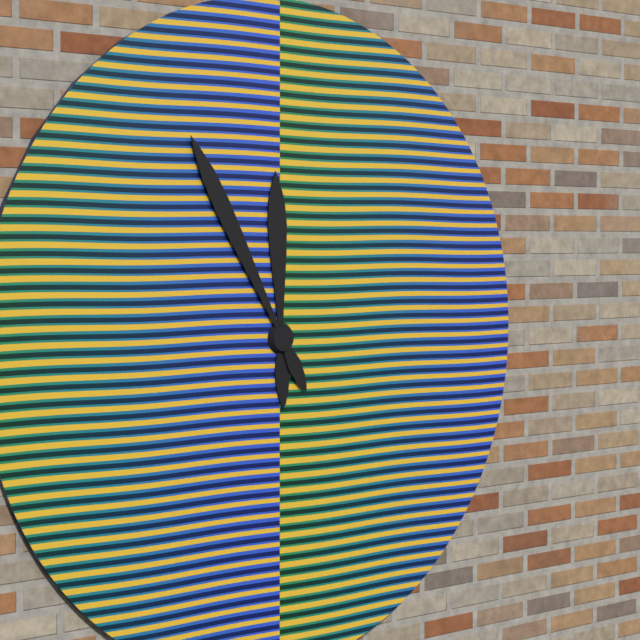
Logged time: 11:55
